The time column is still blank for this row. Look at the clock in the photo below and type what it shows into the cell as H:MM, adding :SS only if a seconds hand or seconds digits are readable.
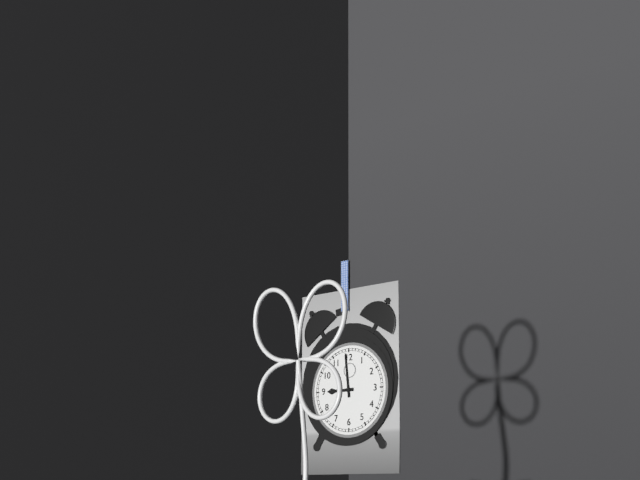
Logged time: 8:59
